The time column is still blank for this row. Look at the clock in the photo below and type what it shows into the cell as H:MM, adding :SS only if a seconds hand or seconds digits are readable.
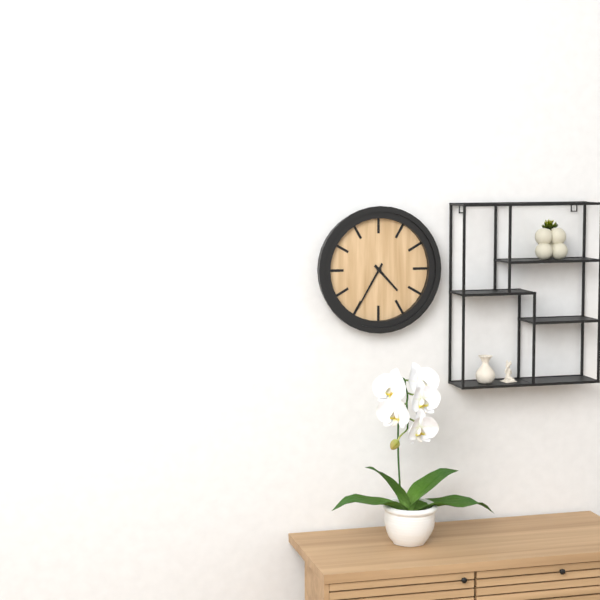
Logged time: 4:35
